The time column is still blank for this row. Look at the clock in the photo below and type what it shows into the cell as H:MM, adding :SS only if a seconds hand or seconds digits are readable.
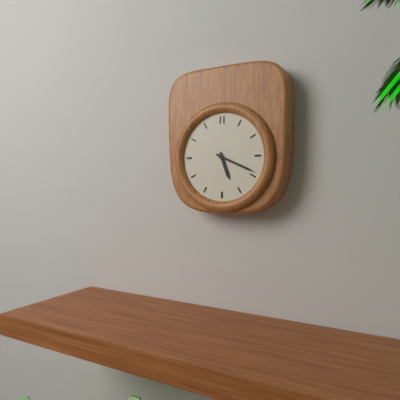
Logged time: 5:19
